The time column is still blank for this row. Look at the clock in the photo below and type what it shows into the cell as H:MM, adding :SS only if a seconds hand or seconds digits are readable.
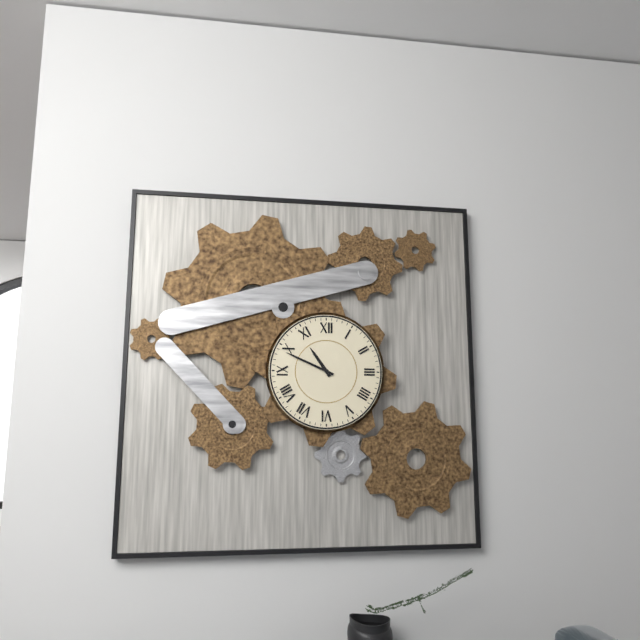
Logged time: 10:49
